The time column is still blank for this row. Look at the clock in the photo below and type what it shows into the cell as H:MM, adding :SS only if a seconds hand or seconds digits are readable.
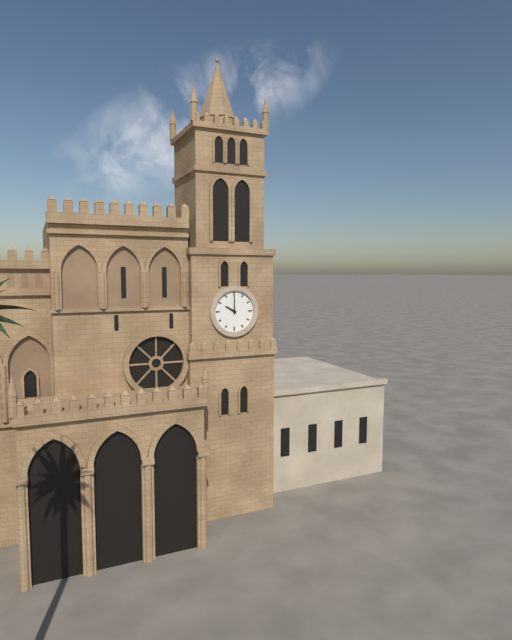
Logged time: 10:00
